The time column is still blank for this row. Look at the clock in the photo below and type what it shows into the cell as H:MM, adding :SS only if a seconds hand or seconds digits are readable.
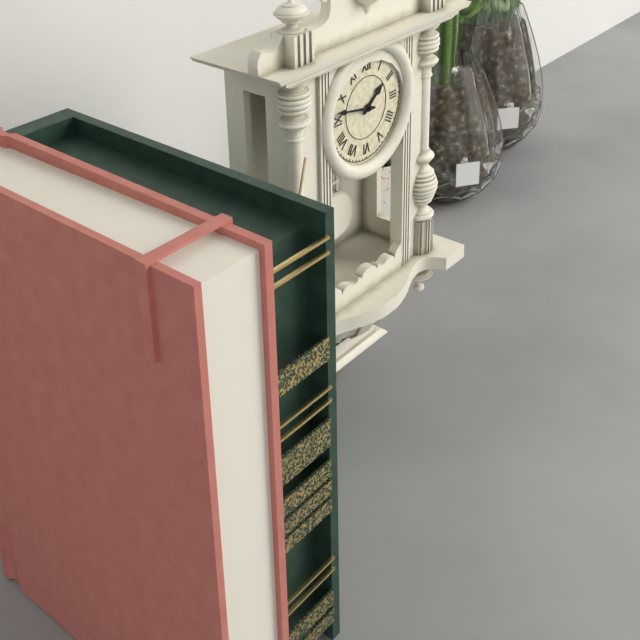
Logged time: 1:47
